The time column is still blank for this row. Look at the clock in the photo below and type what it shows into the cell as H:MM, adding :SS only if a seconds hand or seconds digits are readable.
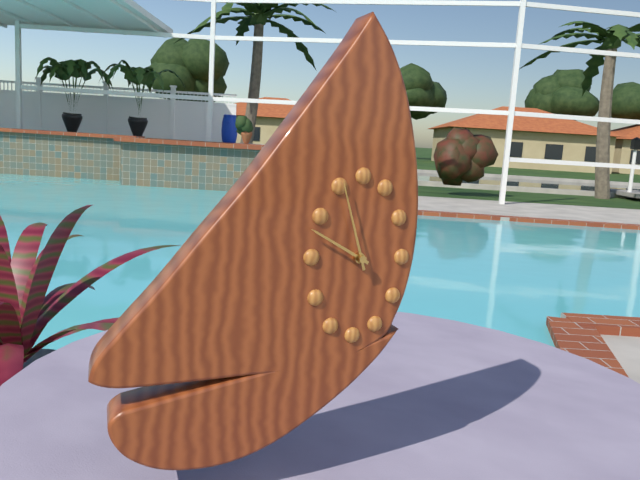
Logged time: 9:57
